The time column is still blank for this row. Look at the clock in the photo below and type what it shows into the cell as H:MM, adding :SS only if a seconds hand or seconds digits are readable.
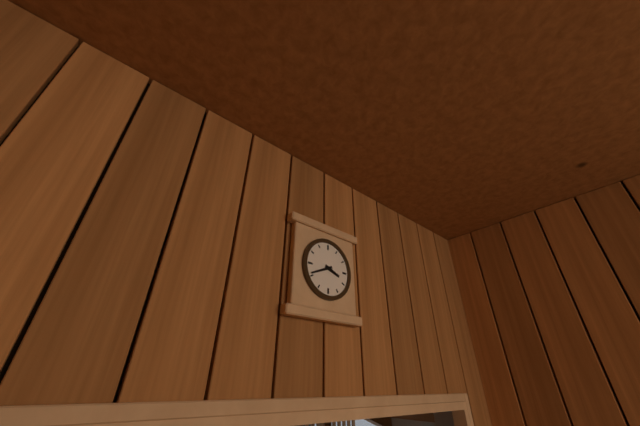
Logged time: 3:41
